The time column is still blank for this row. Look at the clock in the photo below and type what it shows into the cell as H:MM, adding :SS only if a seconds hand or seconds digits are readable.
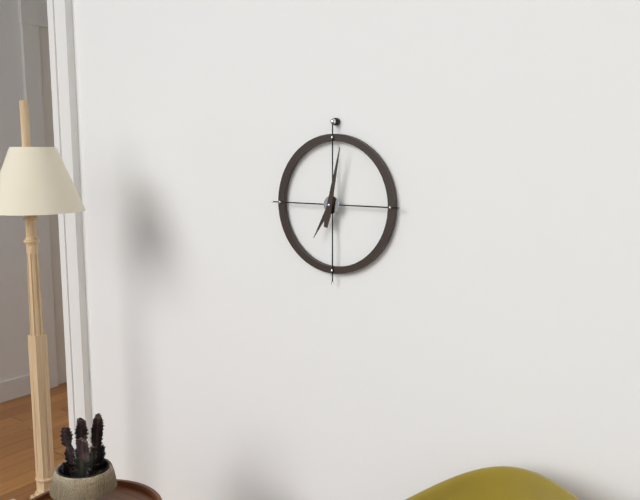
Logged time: 7:02
